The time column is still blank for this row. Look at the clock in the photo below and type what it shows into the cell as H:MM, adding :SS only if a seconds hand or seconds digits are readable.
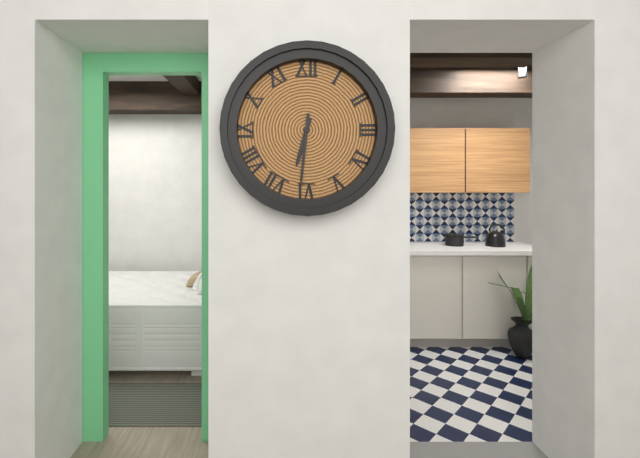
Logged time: 6:31
